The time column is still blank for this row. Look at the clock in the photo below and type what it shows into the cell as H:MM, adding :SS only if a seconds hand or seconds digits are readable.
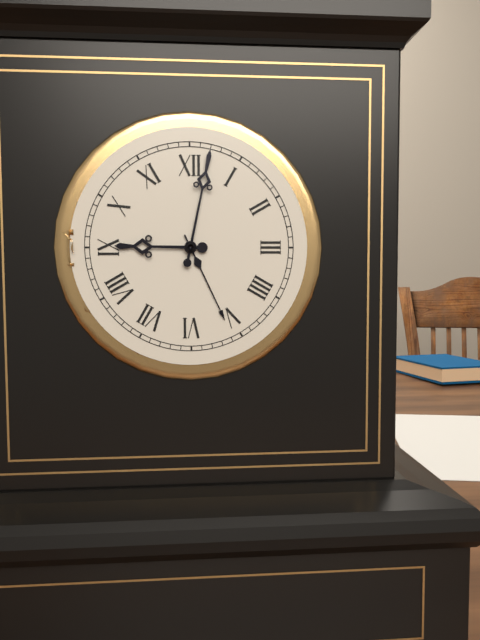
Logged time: 9:02
